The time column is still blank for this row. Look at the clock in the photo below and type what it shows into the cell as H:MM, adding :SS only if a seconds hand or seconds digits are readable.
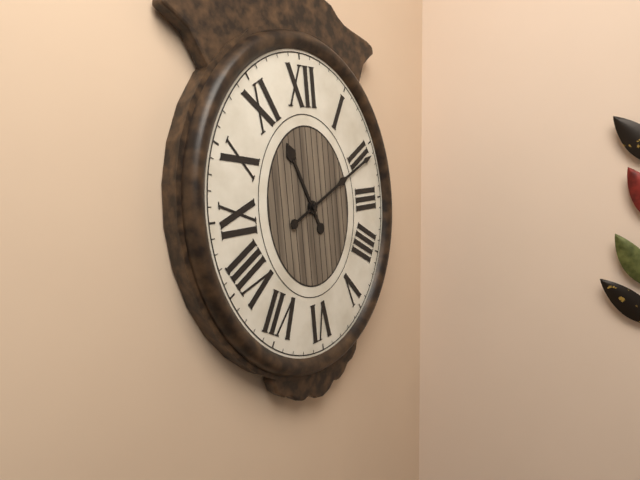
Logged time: 11:11
